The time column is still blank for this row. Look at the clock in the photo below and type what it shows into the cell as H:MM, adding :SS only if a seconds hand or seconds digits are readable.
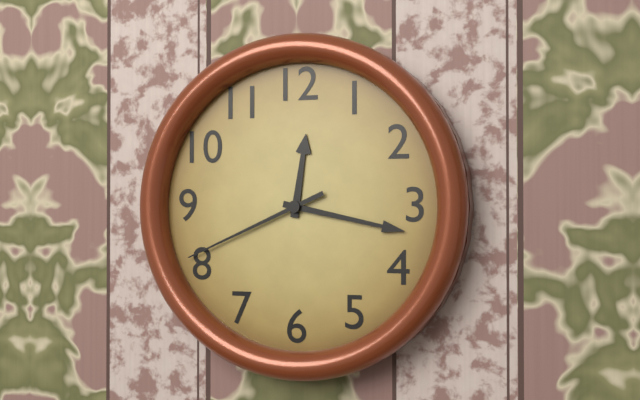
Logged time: 12:17:41
